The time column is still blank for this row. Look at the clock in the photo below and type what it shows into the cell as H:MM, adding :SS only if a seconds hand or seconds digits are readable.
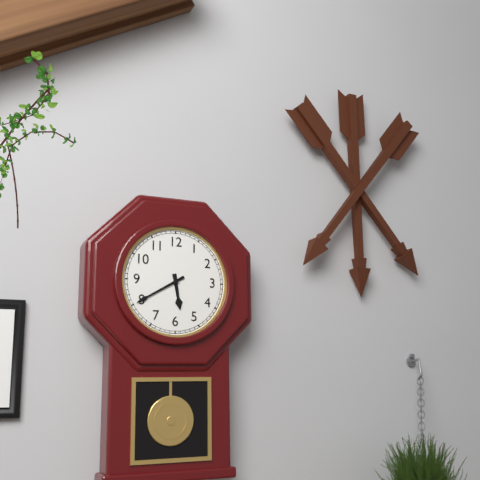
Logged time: 5:40
